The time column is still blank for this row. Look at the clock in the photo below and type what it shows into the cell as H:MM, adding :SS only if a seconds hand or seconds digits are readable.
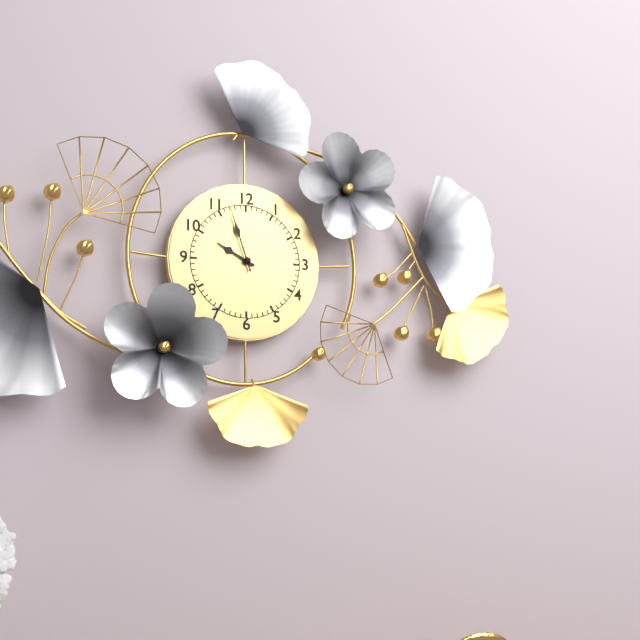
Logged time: 9:57
